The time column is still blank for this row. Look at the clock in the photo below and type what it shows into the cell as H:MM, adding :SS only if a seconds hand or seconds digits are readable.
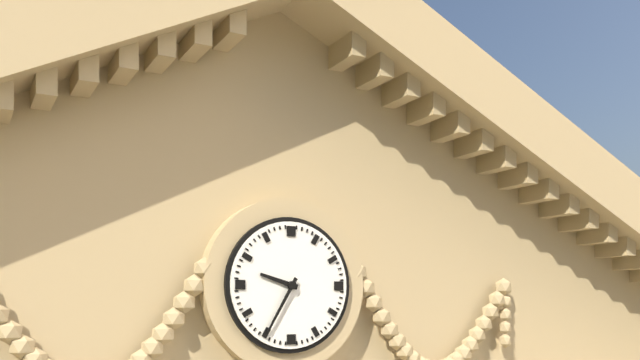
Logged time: 9:35
